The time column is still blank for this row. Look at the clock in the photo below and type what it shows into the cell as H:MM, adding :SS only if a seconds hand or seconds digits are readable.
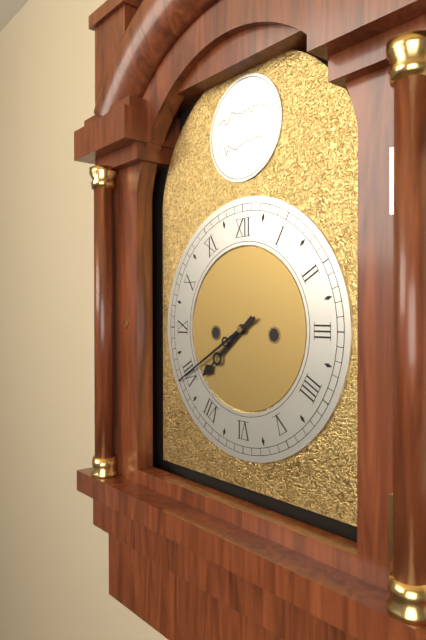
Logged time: 7:40
